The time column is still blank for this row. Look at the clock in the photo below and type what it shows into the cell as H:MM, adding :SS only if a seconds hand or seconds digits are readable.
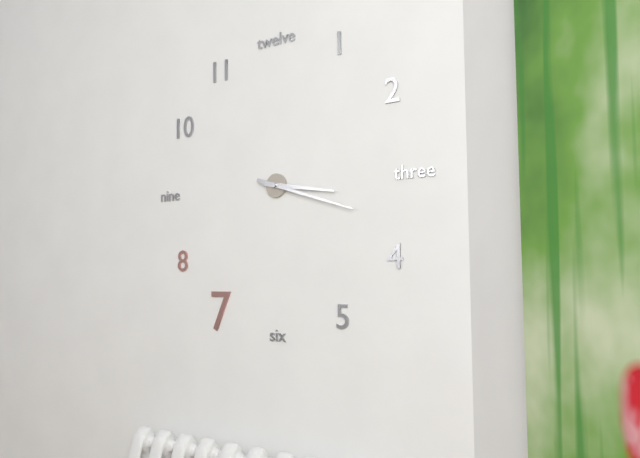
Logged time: 3:18
